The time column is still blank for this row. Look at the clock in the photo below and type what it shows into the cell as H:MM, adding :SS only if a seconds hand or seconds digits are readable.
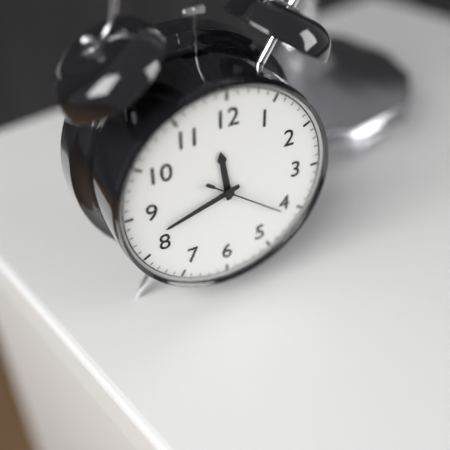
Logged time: 11:42:21
